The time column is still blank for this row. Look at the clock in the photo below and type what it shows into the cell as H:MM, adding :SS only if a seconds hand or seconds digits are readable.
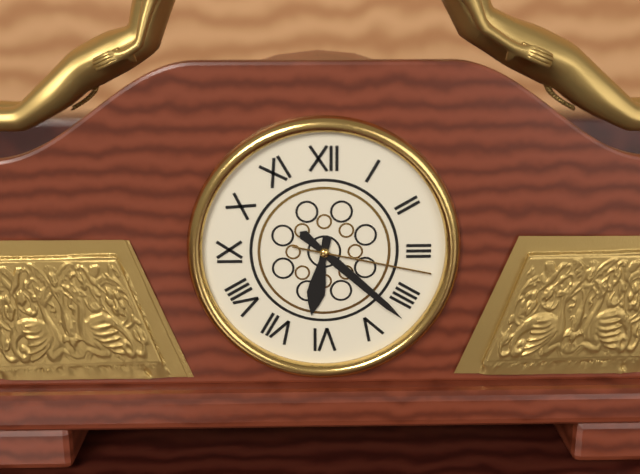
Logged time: 6:22:17
